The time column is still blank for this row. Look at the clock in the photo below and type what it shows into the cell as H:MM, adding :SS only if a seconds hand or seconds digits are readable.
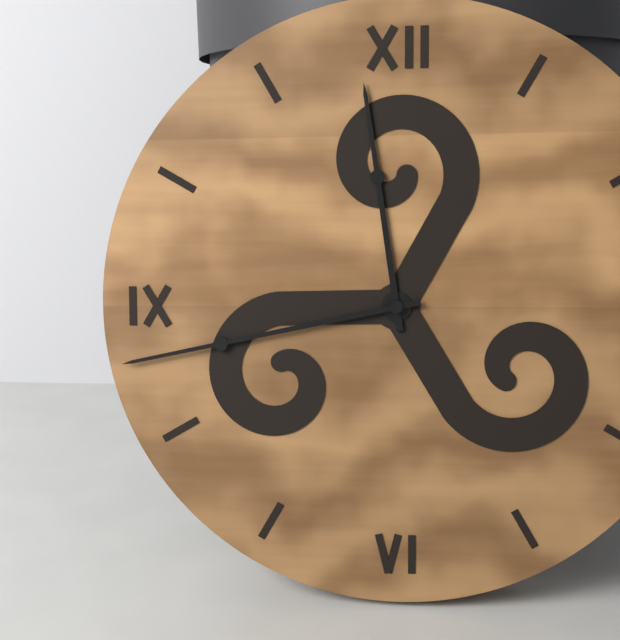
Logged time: 11:43
